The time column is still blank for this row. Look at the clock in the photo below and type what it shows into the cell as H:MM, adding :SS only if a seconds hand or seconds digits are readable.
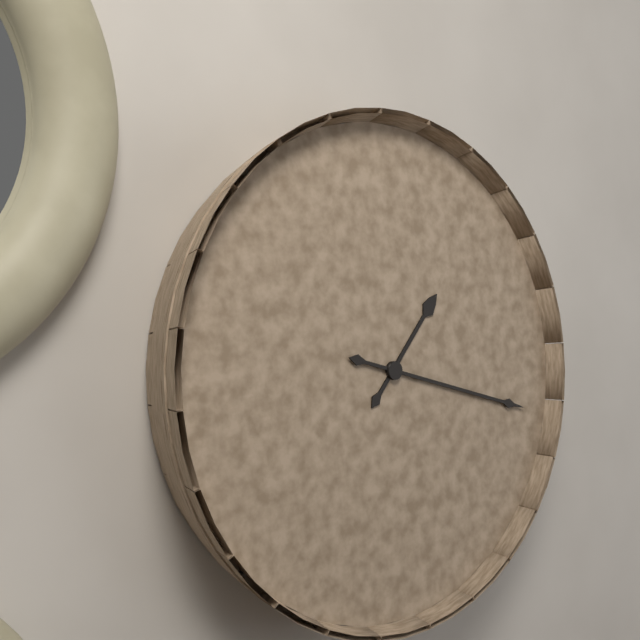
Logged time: 1:17
